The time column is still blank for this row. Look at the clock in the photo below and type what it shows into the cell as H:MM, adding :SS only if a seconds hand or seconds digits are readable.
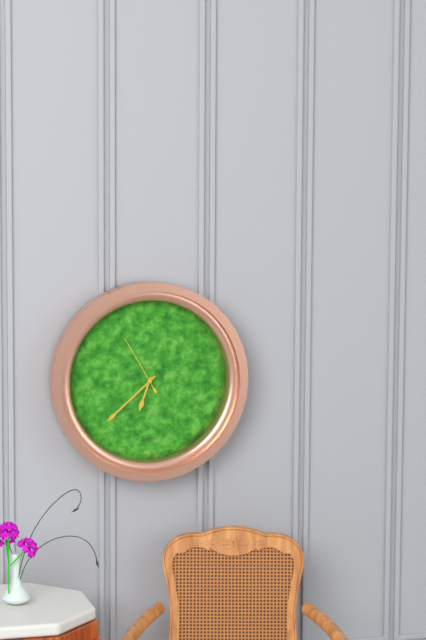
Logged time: 6:38:55
